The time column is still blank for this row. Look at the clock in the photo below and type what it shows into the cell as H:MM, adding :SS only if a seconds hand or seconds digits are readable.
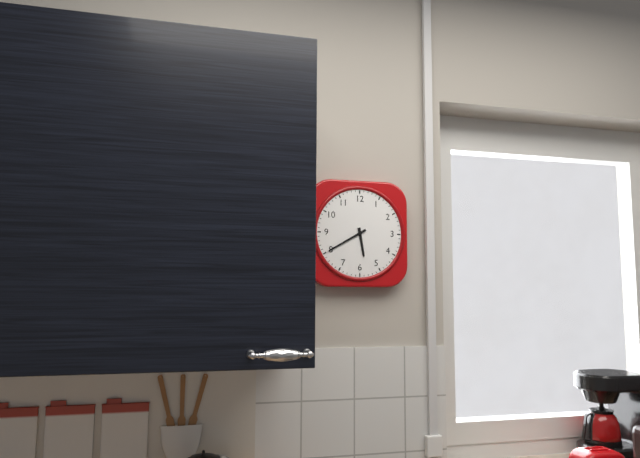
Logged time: 5:40
